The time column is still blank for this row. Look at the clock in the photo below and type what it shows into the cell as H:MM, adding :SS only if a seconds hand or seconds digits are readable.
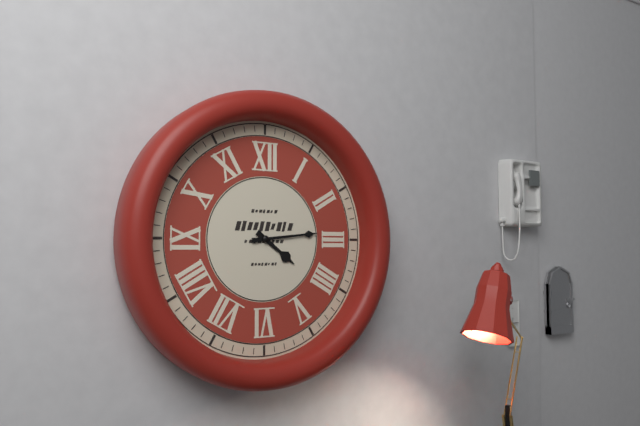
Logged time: 4:14
